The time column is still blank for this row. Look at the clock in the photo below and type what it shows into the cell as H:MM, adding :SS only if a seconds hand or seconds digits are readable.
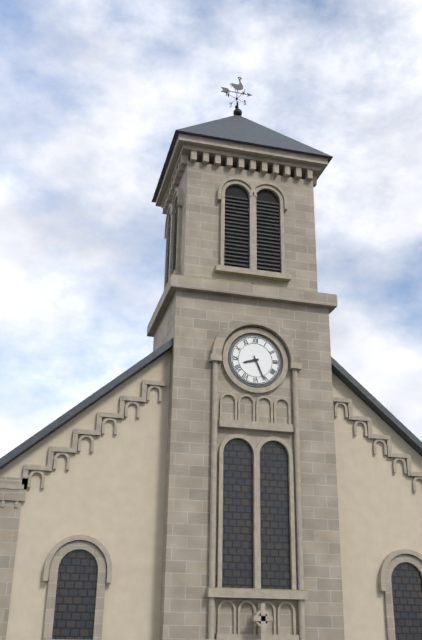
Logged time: 8:26
